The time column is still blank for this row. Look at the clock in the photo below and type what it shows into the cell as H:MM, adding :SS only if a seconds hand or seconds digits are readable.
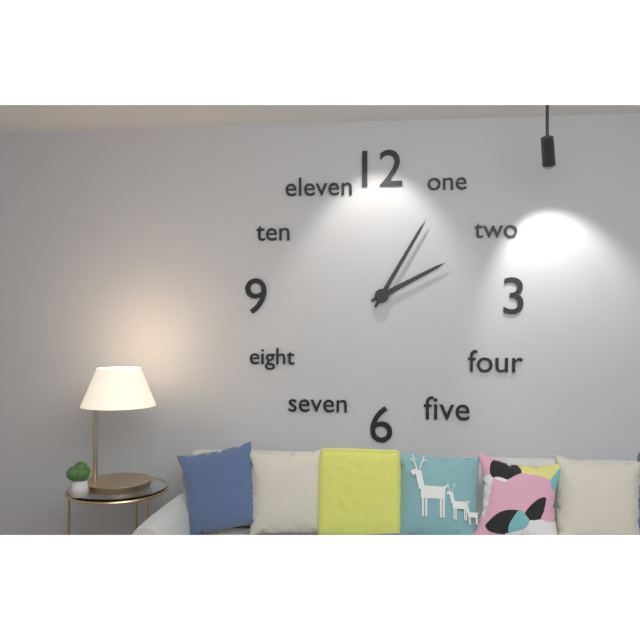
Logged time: 2:05
